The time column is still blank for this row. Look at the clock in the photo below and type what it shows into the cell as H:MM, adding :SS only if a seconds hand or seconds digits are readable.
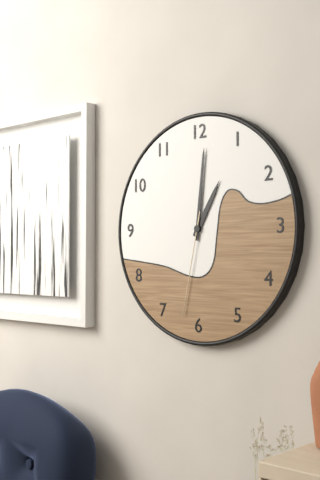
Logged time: 1:01:32
